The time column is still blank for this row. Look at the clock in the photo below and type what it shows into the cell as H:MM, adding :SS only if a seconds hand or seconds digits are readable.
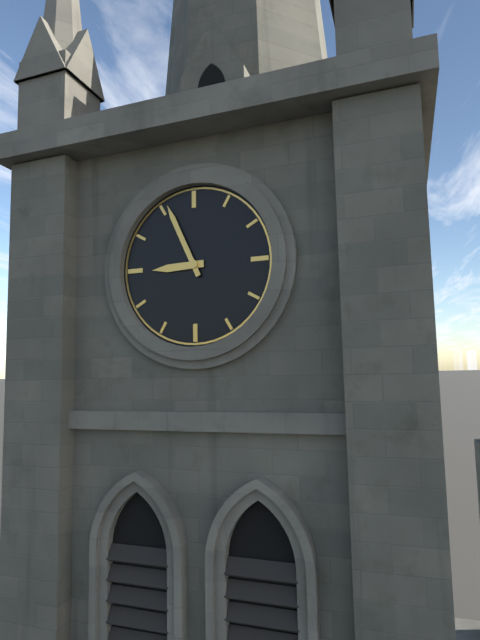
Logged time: 8:56
